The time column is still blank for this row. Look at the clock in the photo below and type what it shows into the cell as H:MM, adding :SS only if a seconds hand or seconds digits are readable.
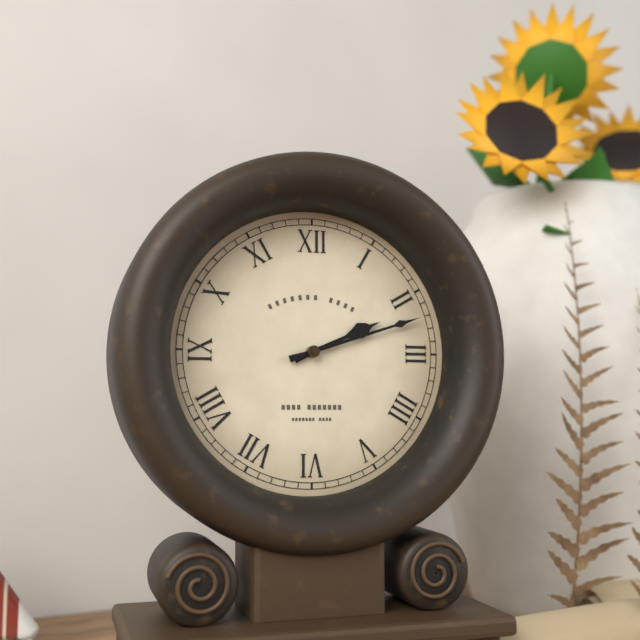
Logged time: 2:12
